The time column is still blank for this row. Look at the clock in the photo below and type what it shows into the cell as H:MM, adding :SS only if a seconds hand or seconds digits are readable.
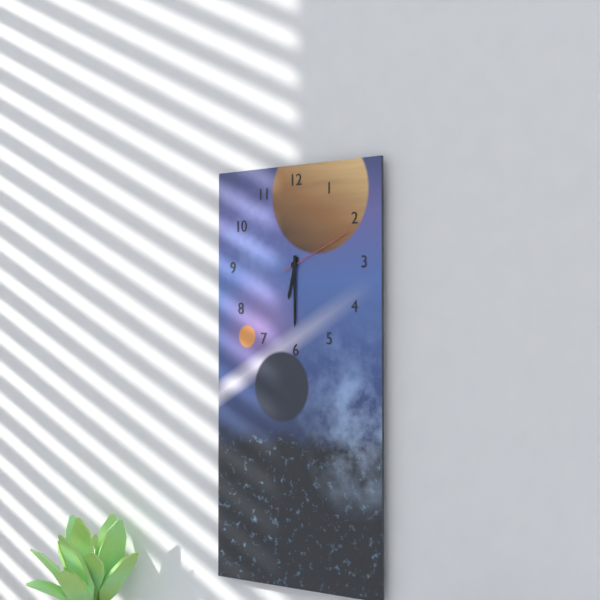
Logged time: 6:30:11
